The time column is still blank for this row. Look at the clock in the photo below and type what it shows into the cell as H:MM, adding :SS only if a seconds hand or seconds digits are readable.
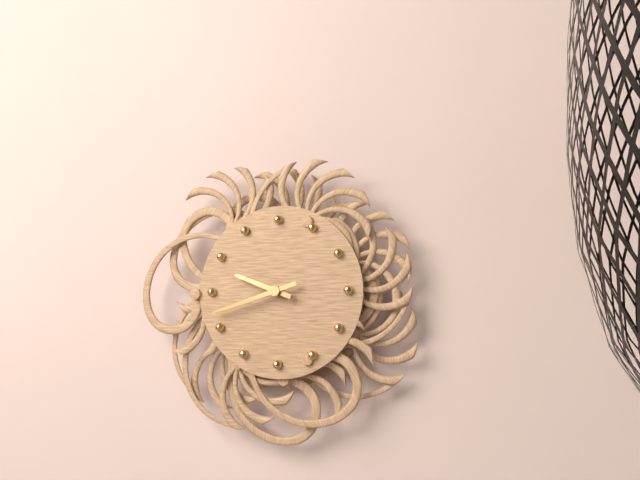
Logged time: 9:42
